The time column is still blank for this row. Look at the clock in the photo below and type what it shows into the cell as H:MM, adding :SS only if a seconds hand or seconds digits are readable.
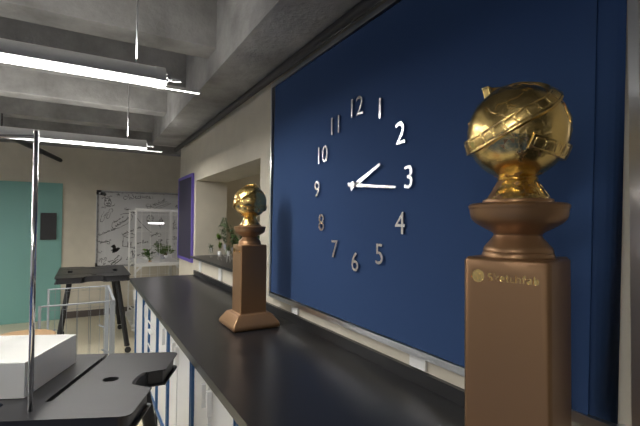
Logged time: 2:16
